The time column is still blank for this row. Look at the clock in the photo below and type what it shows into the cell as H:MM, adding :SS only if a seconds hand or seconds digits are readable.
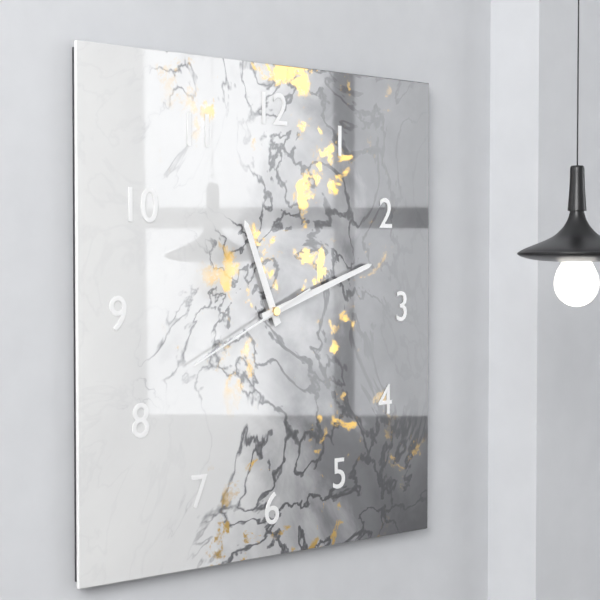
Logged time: 11:12:41
